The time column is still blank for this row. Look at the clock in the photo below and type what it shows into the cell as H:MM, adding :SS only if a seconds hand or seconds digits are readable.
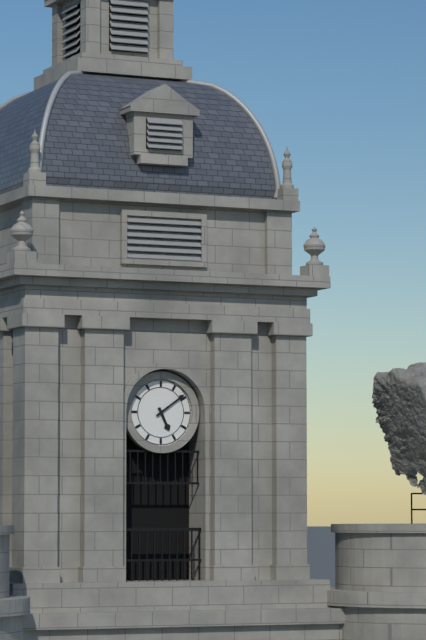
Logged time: 5:09
